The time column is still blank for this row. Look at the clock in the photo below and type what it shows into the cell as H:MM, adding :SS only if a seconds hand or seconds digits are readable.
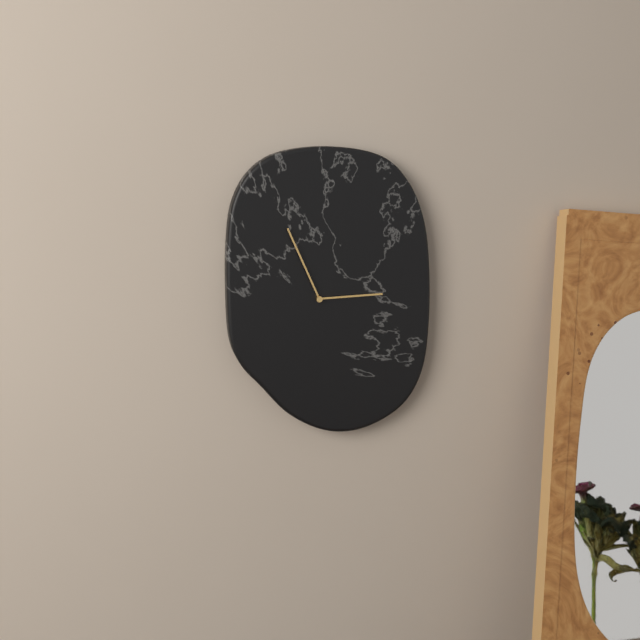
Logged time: 2:56
